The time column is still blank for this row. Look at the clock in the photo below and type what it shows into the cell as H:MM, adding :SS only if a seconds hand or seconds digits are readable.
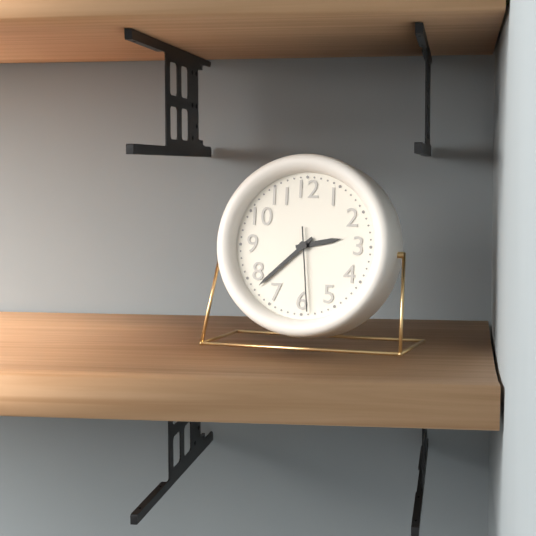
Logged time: 2:38:29
